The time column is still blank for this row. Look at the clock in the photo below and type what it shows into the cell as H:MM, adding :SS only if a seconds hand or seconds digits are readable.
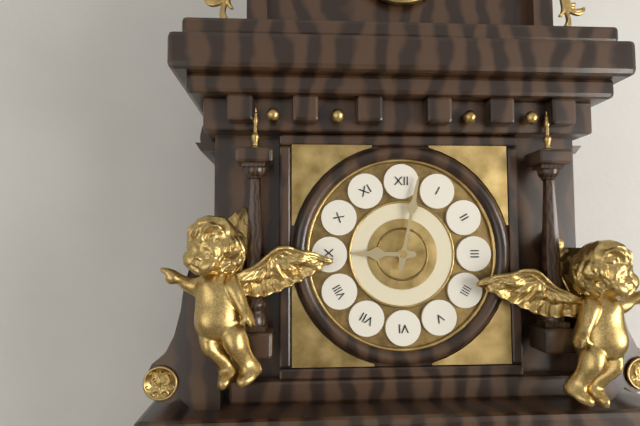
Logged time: 9:02
